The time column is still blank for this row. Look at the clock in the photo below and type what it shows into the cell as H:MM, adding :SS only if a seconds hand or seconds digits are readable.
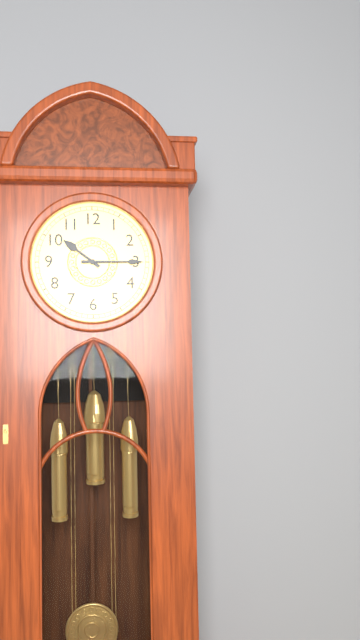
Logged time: 10:15
